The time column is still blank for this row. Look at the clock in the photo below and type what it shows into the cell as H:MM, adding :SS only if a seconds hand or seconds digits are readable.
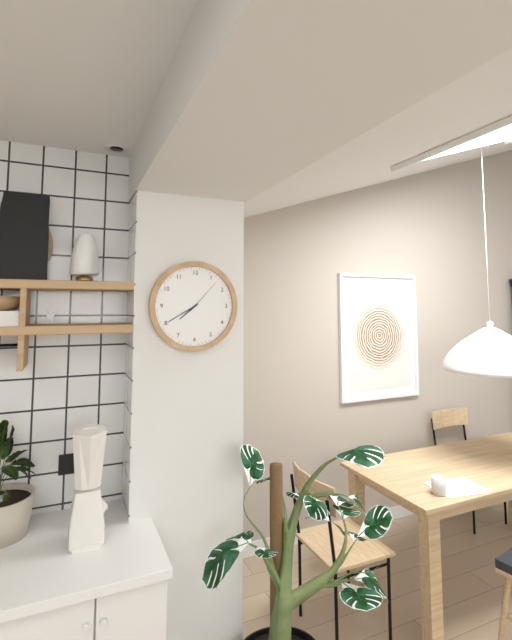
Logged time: 7:40
